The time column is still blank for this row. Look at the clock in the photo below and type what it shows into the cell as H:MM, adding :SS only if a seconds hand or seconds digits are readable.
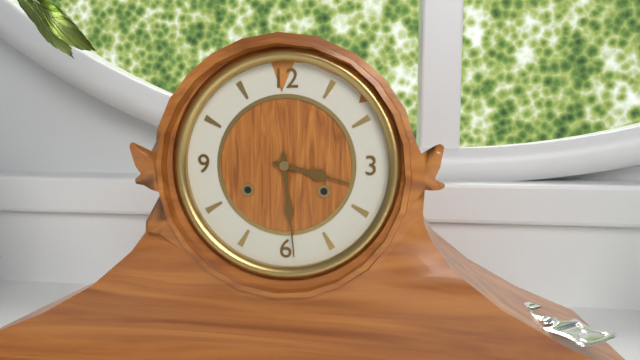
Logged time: 3:29
